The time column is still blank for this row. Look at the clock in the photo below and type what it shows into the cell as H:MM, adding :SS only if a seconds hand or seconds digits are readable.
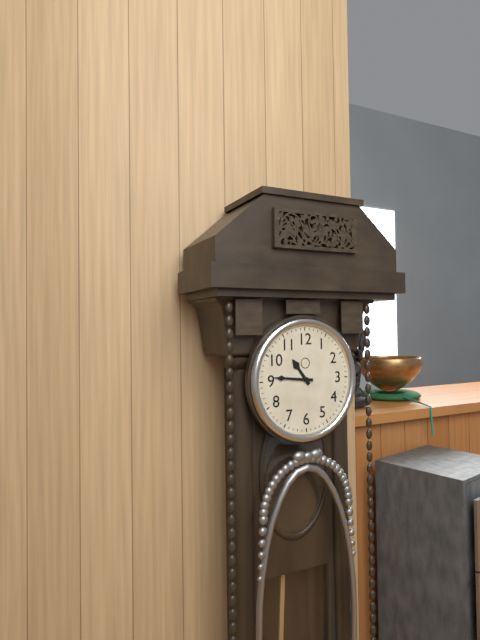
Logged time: 10:46
